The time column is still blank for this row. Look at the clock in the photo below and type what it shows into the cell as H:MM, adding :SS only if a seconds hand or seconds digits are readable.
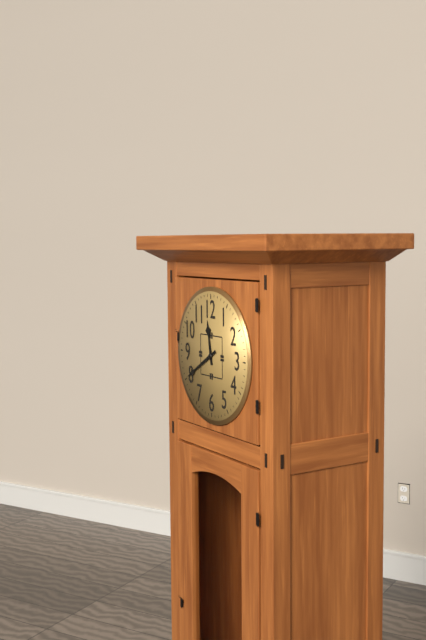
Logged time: 11:40
